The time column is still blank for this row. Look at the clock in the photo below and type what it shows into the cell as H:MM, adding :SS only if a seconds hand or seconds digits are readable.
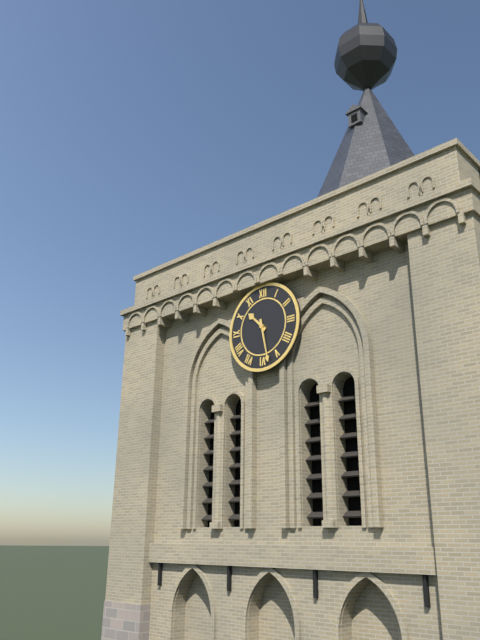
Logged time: 10:28
